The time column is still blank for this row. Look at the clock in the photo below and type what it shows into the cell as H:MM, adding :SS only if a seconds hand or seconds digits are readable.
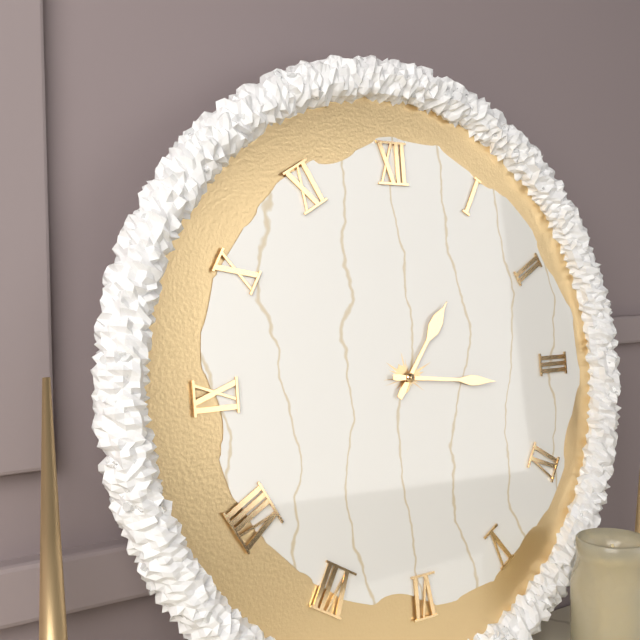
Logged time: 1:16
